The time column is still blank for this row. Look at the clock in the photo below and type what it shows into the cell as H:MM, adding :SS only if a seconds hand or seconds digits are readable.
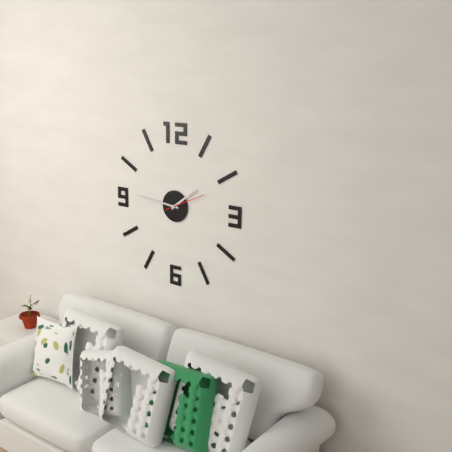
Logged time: 1:46
